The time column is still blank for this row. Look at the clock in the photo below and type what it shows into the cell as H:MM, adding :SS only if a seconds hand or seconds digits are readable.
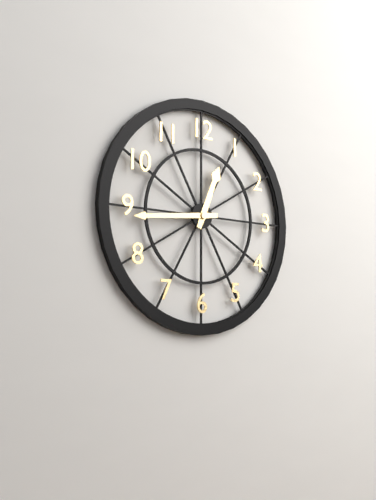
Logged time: 12:44
